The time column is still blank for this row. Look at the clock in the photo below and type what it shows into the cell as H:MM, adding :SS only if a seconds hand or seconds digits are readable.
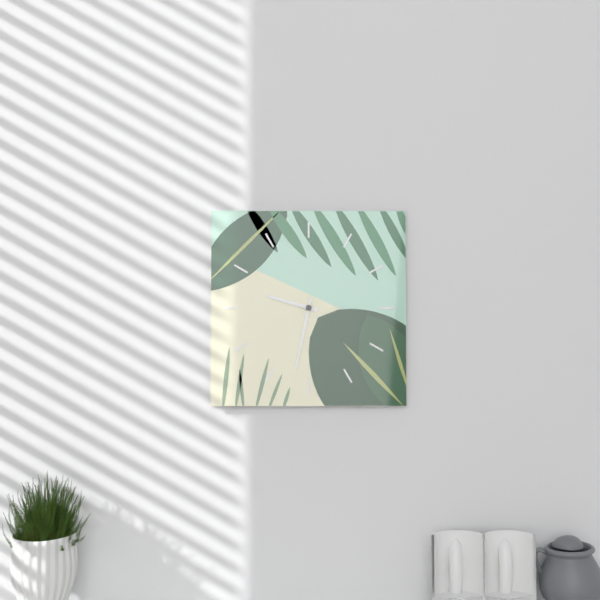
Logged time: 9:32
